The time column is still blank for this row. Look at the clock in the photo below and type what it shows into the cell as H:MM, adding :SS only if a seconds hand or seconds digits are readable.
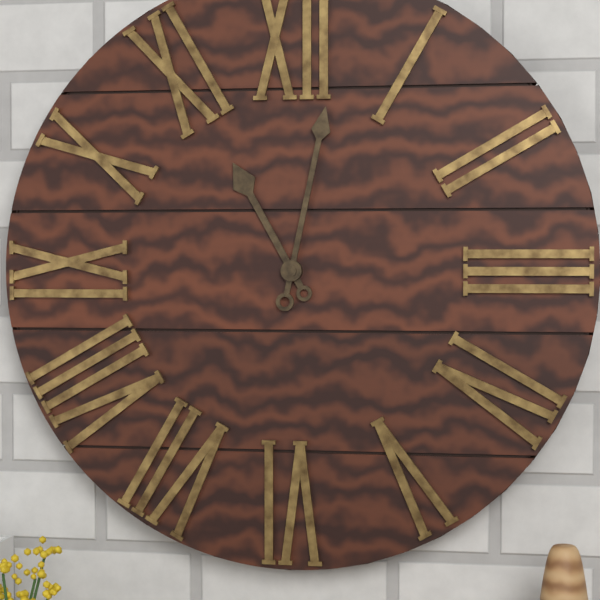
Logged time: 11:02
